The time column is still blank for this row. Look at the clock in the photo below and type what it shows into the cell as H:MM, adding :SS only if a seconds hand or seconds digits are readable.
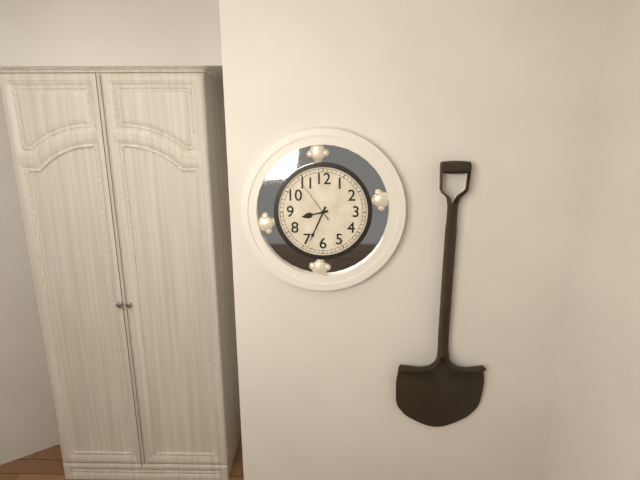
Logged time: 8:34
